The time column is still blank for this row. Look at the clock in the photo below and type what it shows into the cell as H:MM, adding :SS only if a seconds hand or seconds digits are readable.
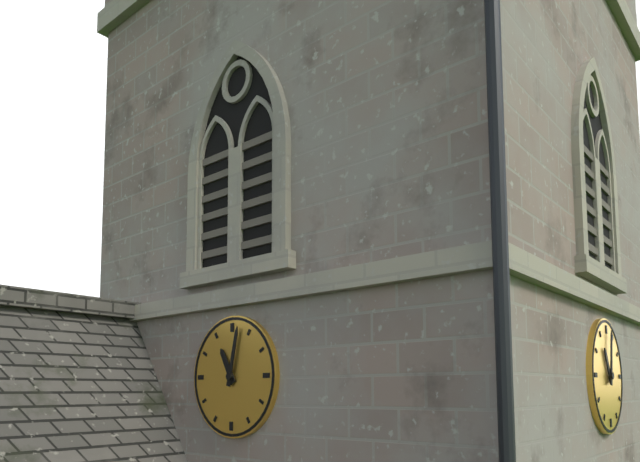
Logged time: 11:02
